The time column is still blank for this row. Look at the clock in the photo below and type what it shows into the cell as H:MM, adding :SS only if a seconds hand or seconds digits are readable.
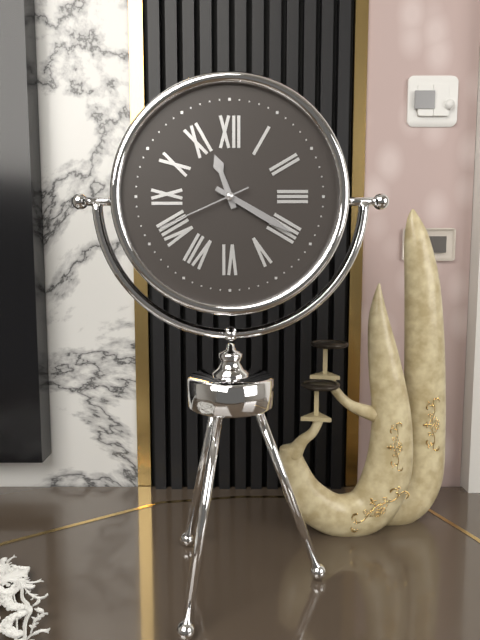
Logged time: 11:20:41
